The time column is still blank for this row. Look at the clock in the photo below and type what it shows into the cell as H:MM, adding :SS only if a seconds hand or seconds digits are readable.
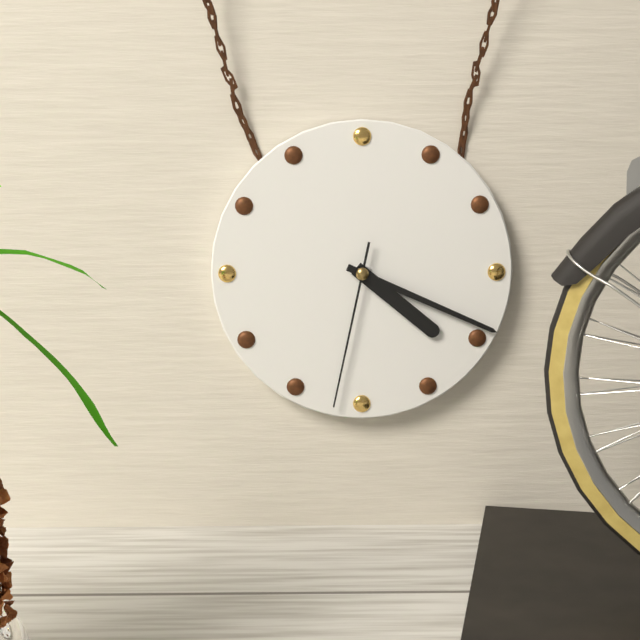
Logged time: 4:19:32
